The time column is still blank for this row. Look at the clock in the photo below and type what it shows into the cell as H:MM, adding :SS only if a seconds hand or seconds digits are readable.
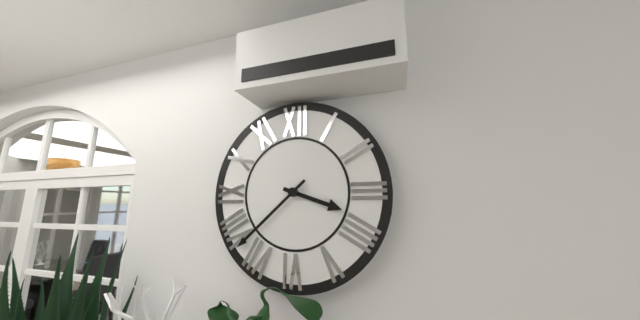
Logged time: 3:38
